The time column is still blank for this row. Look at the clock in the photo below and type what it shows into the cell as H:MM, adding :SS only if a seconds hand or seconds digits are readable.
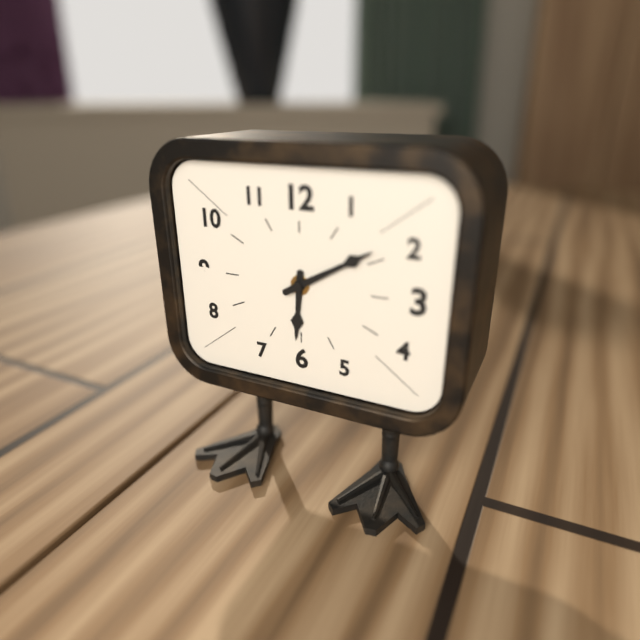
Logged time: 6:10
